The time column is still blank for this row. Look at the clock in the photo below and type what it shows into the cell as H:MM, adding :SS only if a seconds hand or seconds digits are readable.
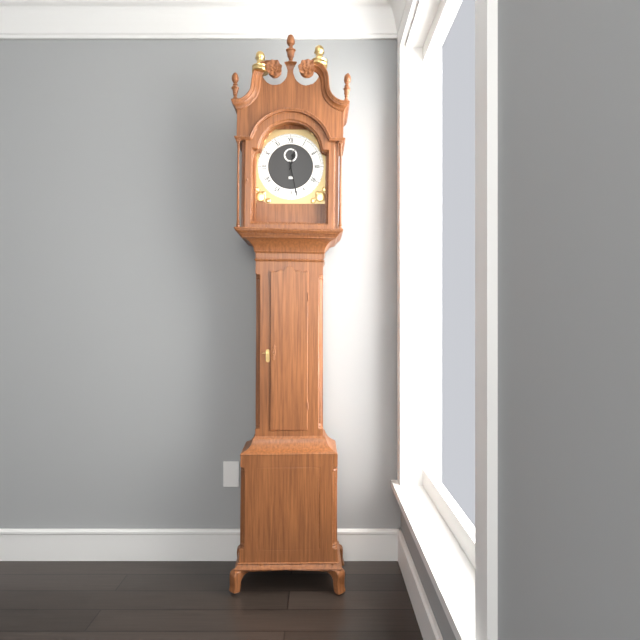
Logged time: 12:28
